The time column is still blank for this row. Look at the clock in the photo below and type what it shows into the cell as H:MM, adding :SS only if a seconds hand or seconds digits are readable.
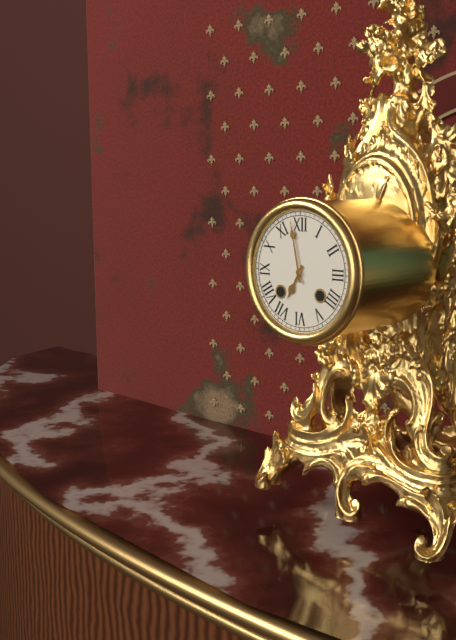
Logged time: 6:58
